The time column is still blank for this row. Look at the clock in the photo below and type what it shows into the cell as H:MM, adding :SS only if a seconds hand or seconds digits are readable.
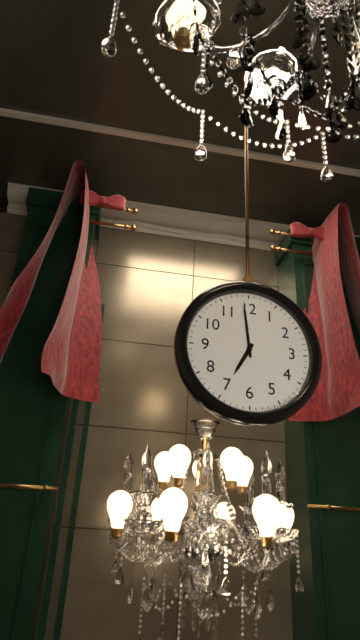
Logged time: 6:59
